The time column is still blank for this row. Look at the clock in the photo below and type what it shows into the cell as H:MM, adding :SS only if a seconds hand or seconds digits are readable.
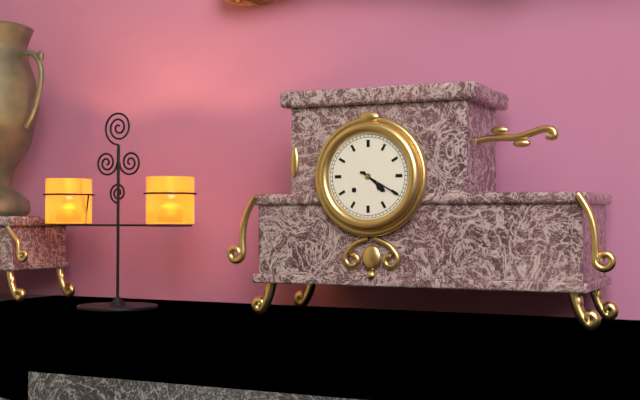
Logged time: 4:20
